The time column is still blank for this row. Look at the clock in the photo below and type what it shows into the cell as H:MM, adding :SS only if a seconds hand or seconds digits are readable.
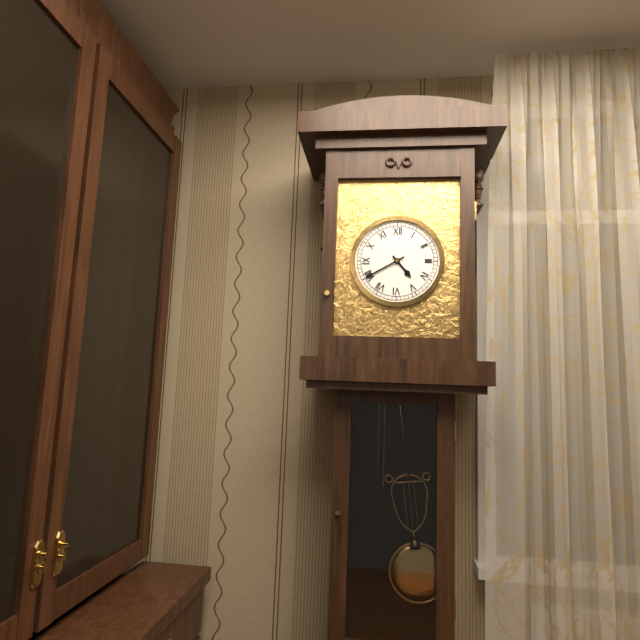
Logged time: 4:40
